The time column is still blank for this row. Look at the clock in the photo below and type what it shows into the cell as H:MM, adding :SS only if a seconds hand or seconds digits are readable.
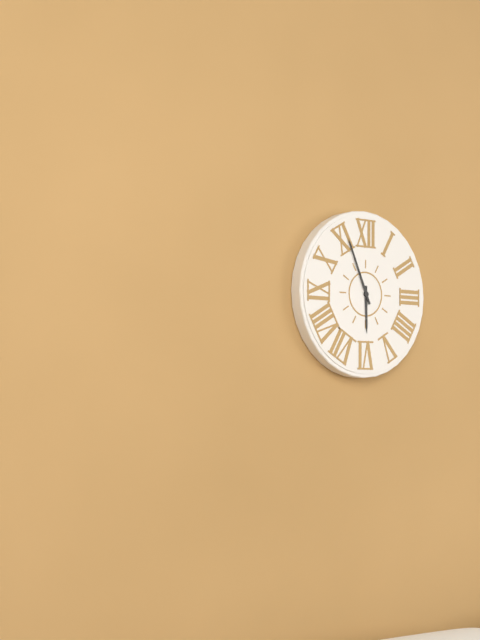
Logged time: 5:56
